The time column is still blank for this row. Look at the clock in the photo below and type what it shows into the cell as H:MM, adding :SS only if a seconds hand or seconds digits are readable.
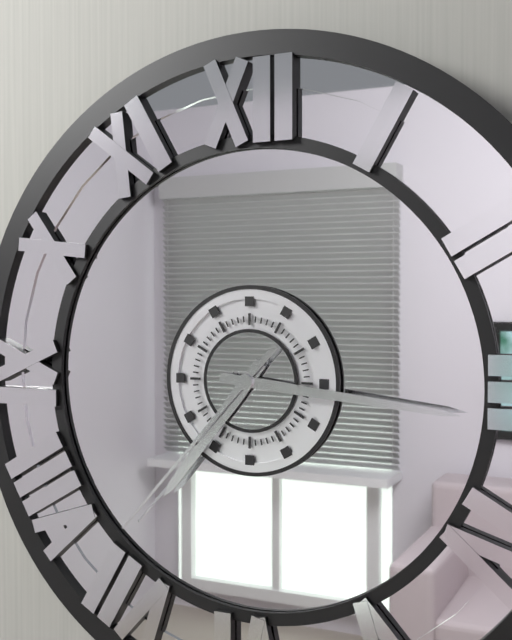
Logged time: 7:16:37
